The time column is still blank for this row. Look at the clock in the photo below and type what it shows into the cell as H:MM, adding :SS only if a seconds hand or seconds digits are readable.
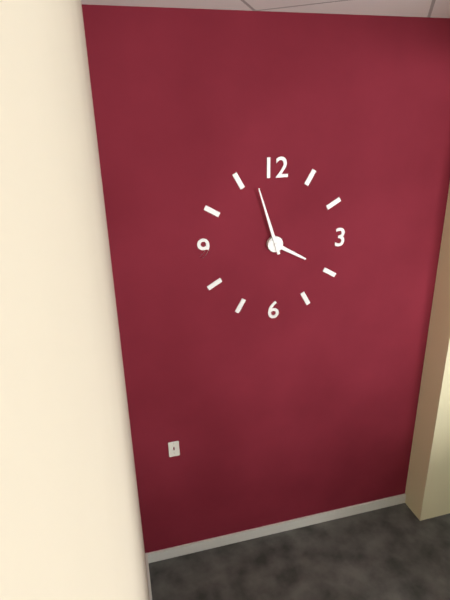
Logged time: 3:57
